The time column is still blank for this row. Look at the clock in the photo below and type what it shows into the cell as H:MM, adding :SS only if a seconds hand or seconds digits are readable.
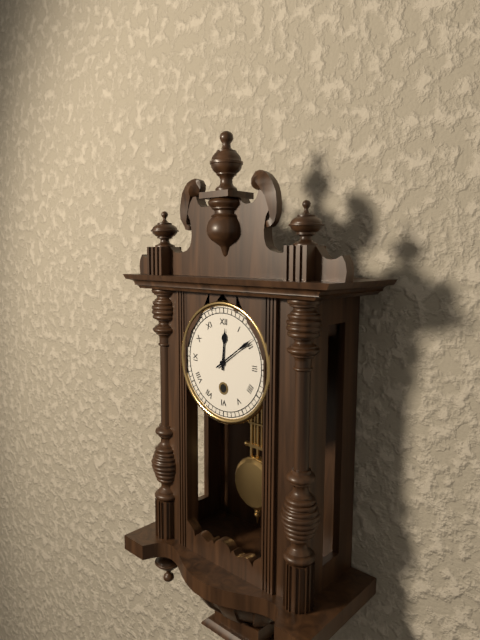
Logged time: 12:09
